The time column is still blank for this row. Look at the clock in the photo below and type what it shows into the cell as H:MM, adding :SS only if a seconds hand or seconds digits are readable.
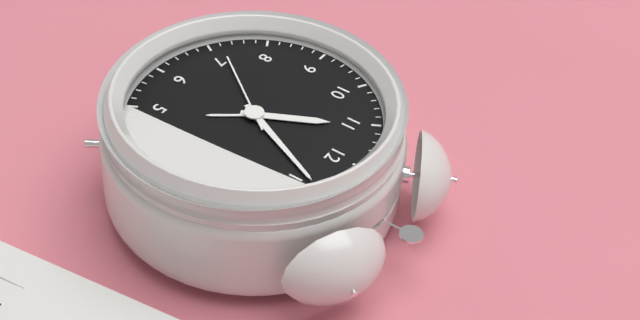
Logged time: 11:04:36
